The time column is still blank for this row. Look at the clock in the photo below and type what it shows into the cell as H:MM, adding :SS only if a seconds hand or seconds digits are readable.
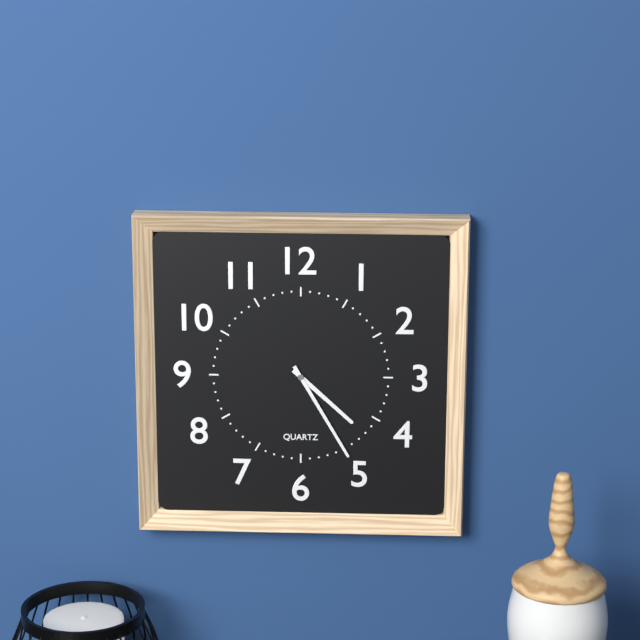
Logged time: 4:25
